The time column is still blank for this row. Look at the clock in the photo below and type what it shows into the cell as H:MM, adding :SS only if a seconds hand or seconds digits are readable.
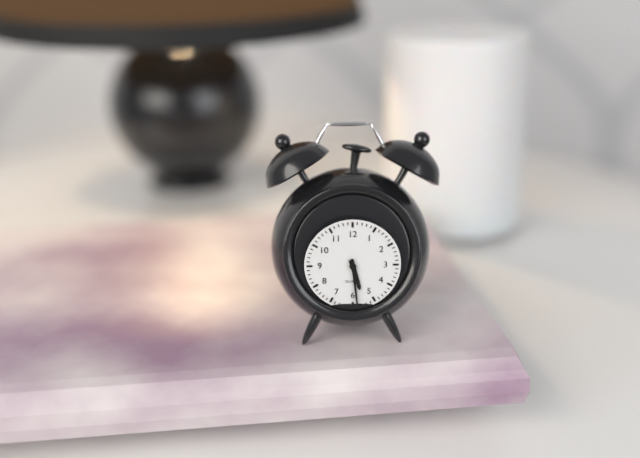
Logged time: 5:29
